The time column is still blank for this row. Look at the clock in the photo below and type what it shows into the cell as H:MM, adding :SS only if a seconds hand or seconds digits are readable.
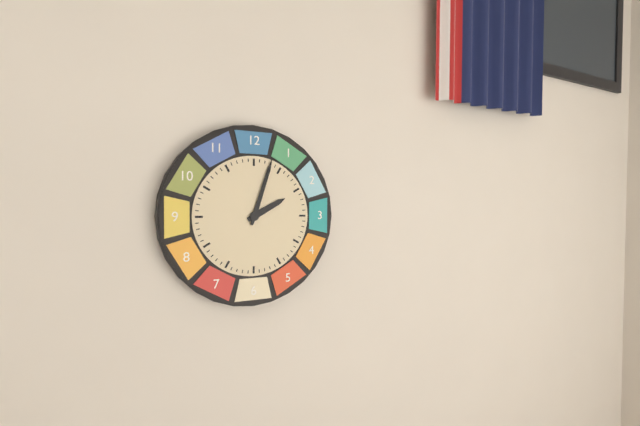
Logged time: 2:03
